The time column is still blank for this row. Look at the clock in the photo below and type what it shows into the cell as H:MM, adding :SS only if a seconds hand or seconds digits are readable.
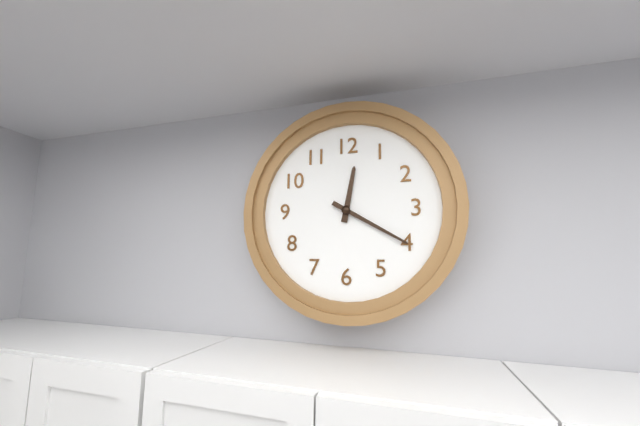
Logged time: 12:20
